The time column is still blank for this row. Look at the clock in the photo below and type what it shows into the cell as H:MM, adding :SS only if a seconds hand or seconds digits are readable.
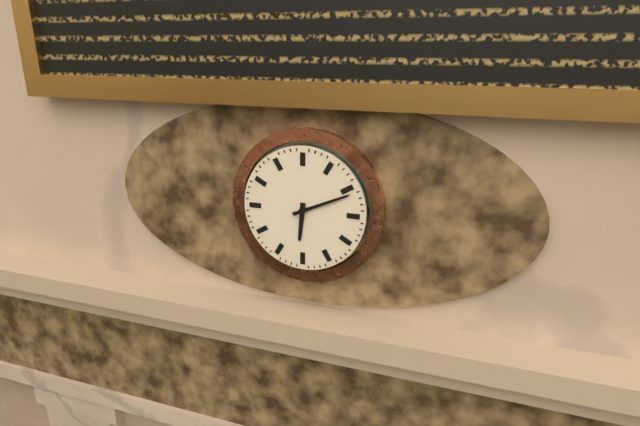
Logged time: 6:11
